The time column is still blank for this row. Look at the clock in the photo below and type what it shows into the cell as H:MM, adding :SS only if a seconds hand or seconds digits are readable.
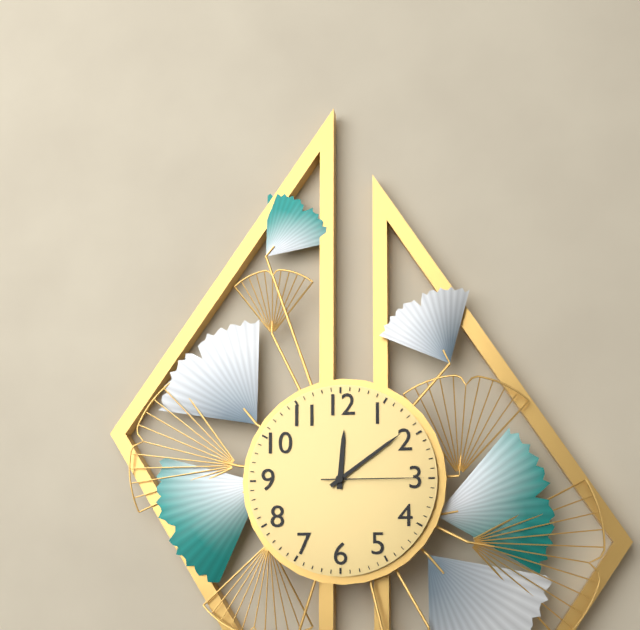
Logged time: 12:09:15
